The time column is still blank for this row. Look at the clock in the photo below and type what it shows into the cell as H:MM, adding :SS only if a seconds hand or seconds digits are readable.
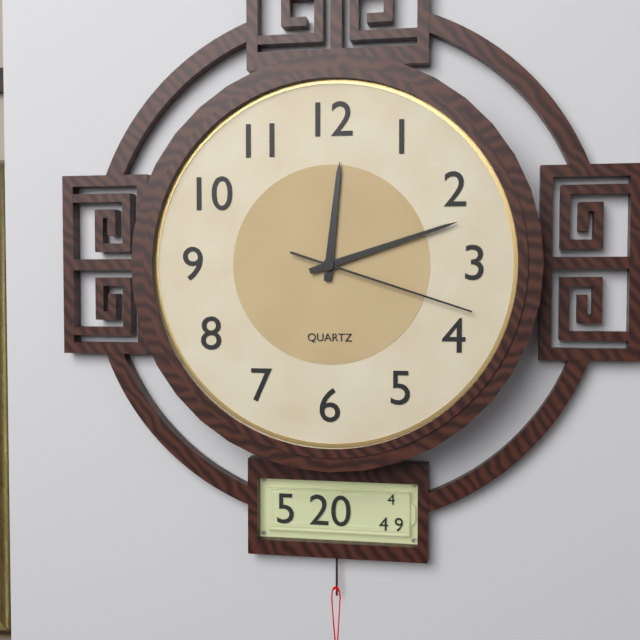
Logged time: 12:12:18
